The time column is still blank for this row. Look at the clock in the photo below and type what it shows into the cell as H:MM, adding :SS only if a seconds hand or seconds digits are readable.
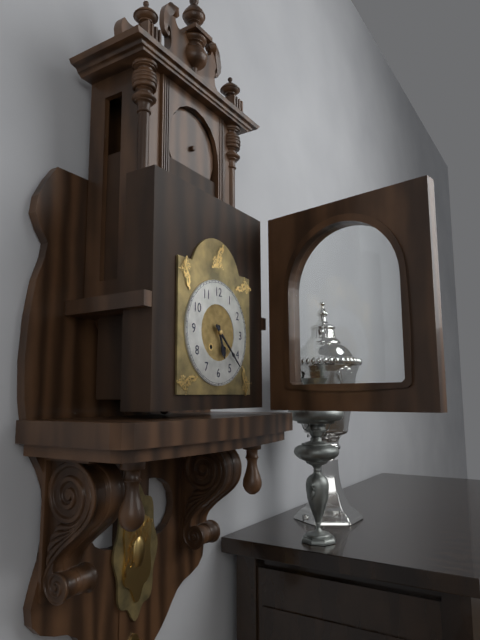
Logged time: 5:22
